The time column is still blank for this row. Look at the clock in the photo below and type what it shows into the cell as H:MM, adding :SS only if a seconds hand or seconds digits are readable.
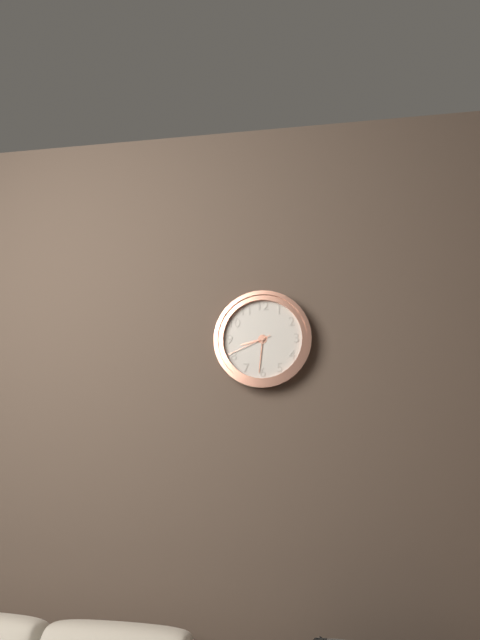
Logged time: 8:31
